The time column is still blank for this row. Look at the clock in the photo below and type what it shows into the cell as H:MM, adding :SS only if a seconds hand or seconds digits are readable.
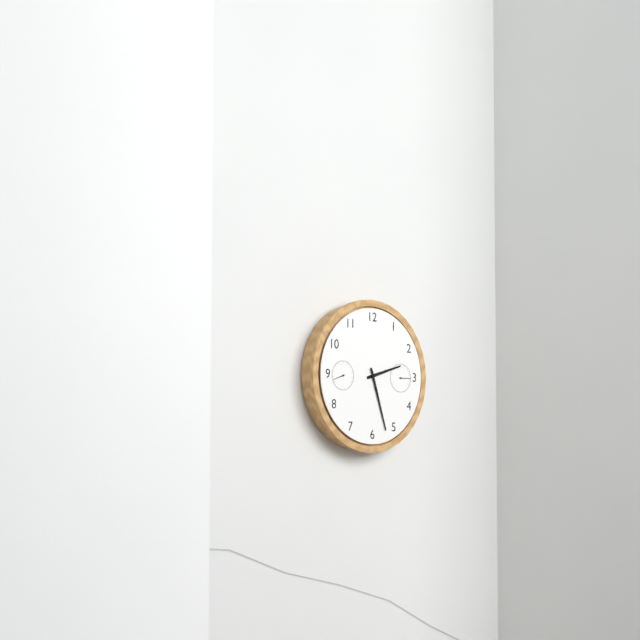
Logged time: 2:27
